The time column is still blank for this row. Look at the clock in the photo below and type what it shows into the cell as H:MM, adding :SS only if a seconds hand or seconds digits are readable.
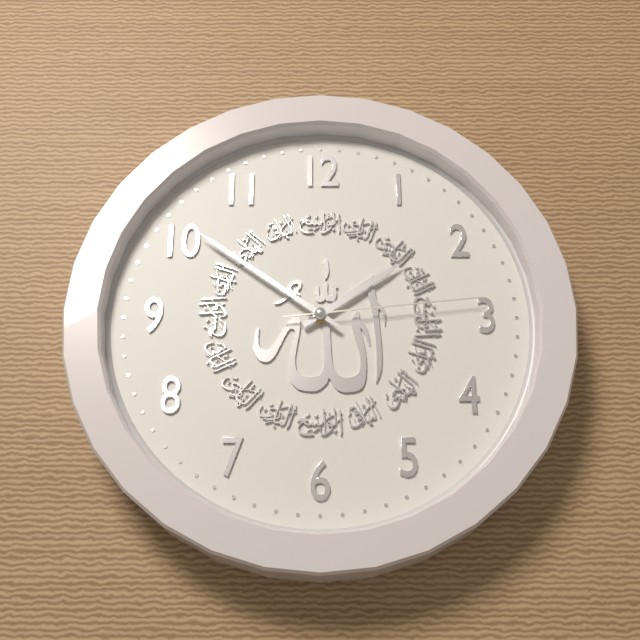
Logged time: 1:51:14
